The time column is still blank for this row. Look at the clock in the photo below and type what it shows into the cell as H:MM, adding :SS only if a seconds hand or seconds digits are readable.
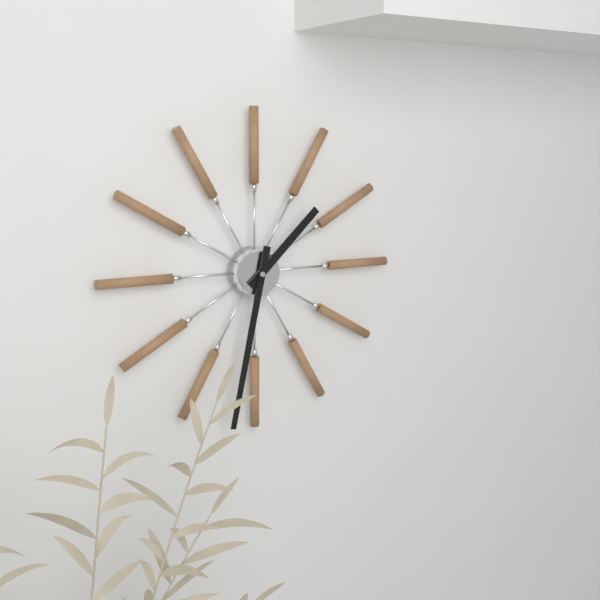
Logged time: 1:32
